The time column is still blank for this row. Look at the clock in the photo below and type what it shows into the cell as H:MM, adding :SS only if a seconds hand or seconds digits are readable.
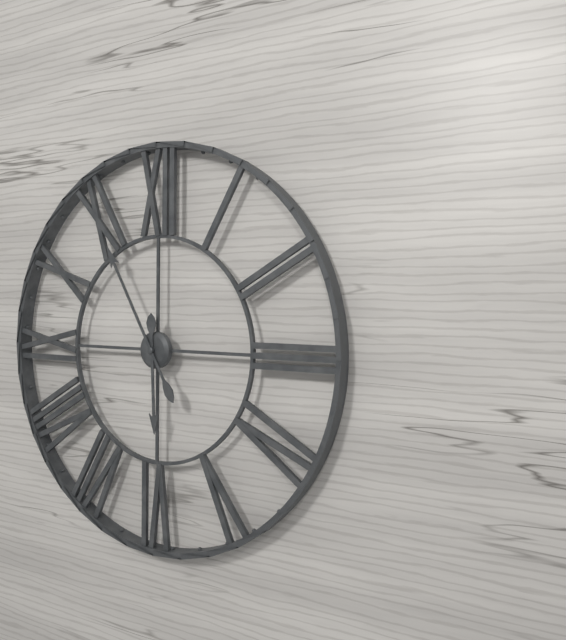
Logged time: 5:55
